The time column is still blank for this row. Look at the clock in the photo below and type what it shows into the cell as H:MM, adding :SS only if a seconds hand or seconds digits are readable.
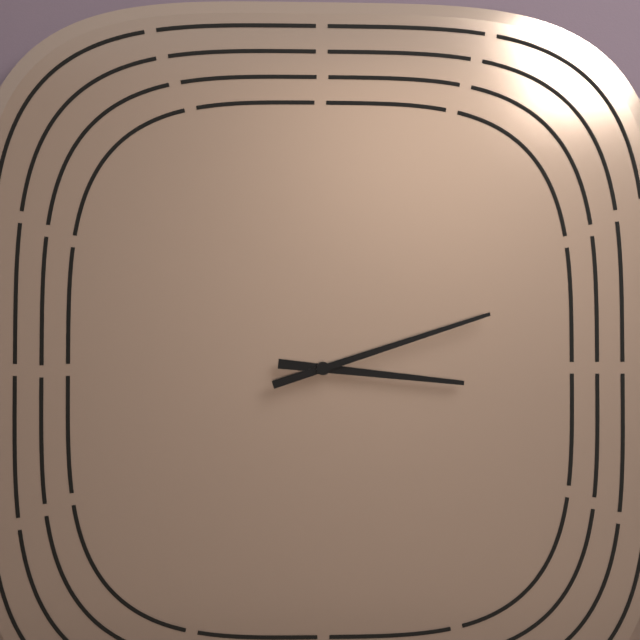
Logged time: 3:12
